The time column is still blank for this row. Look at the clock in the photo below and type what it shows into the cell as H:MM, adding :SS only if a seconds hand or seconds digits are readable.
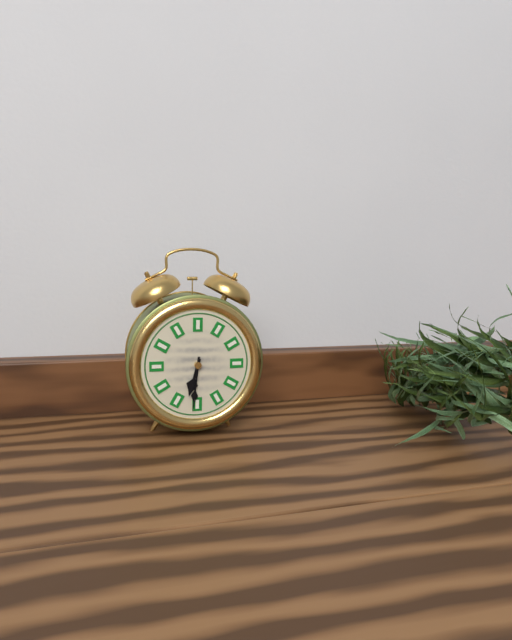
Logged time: 6:31
